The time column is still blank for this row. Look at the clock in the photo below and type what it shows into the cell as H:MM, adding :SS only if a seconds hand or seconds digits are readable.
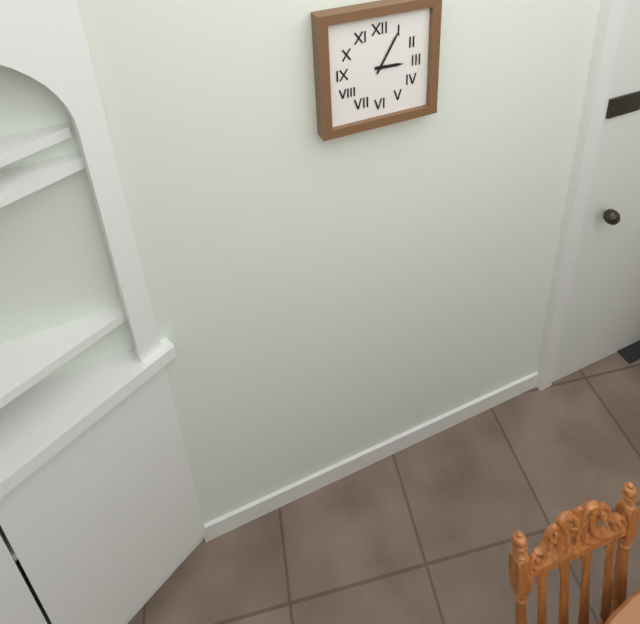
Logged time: 3:05
